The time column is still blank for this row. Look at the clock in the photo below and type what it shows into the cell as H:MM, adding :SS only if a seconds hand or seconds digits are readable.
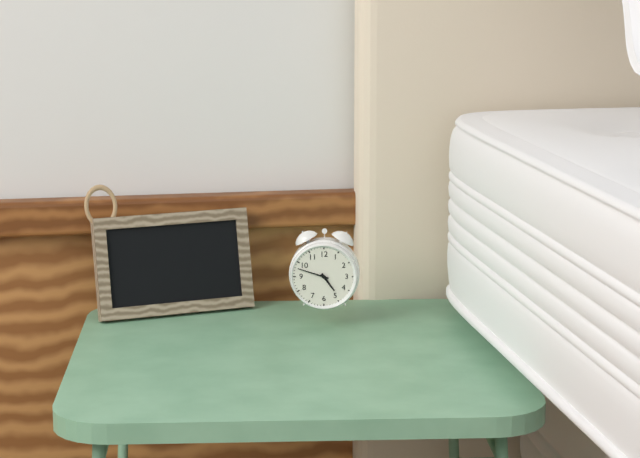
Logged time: 4:48
